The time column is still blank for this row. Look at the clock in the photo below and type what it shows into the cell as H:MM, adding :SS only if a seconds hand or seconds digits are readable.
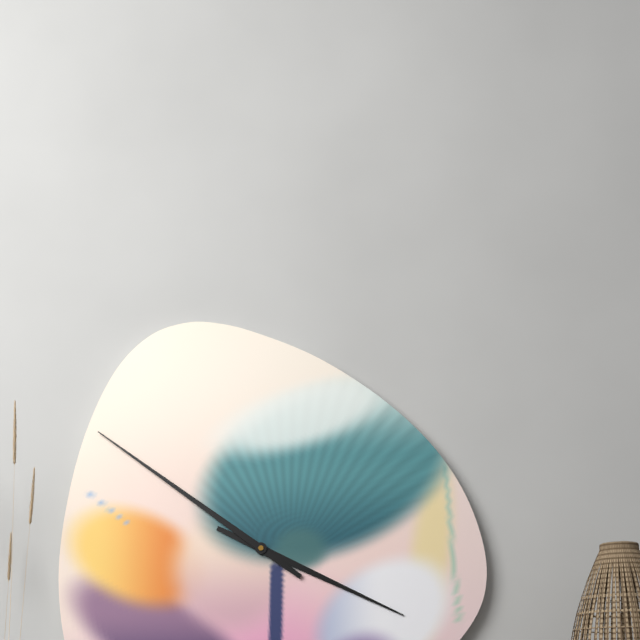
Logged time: 3:51
